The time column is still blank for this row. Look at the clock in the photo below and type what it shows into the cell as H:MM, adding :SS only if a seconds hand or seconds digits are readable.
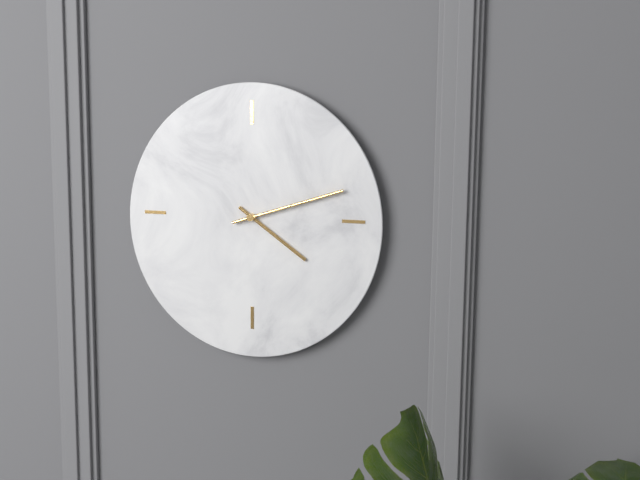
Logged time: 4:12
